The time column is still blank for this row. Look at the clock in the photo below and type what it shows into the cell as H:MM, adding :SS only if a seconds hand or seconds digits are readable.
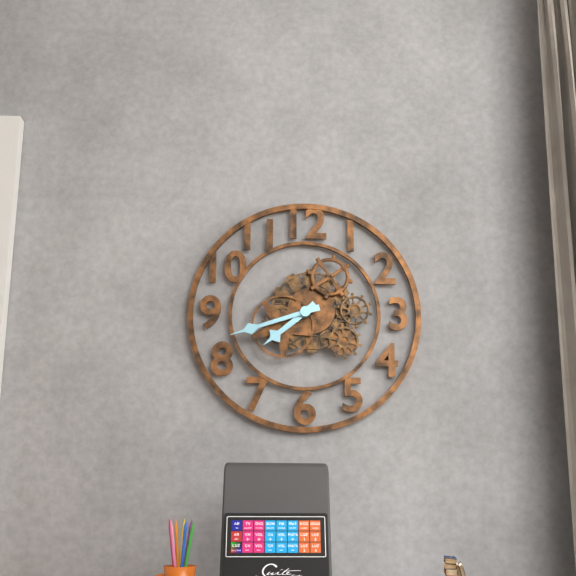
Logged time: 7:42
